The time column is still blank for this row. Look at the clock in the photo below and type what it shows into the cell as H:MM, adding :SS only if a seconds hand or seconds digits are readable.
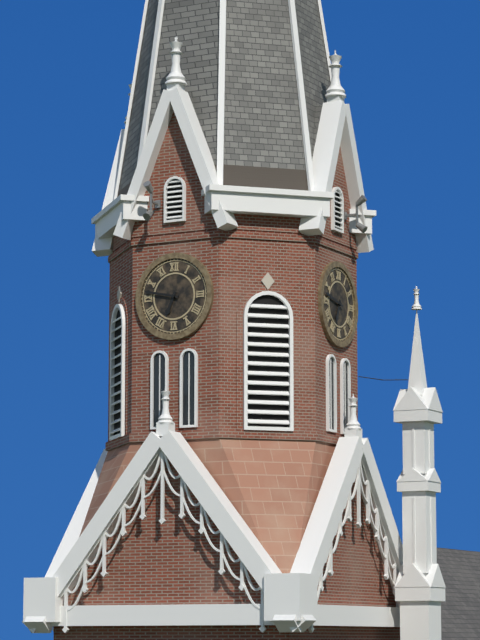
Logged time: 6:47
